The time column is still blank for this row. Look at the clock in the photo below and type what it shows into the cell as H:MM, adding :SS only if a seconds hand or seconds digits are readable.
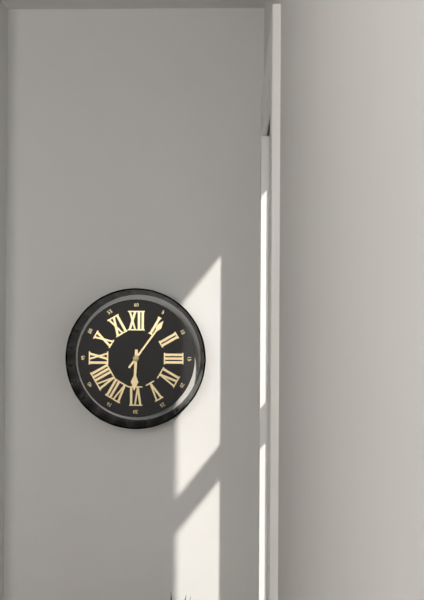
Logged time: 6:06
